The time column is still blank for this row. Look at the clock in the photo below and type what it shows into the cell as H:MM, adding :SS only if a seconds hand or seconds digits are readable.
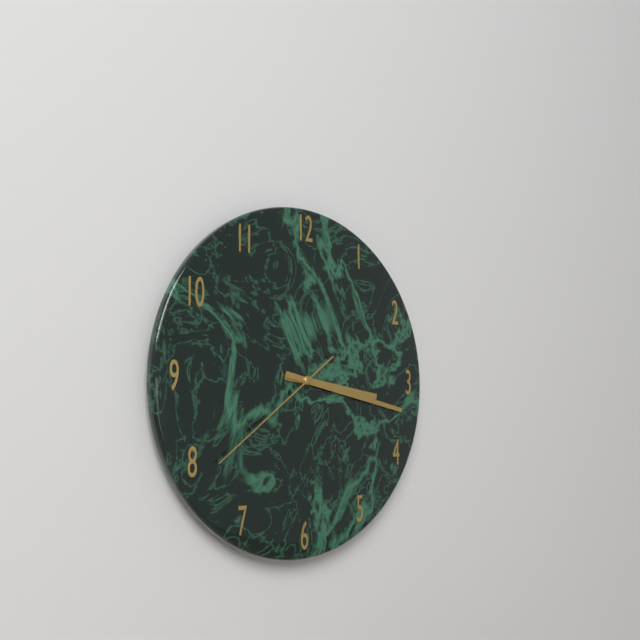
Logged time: 3:17:39
